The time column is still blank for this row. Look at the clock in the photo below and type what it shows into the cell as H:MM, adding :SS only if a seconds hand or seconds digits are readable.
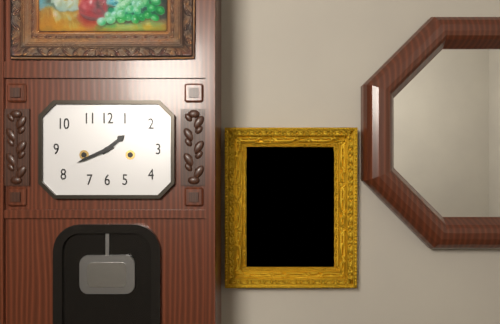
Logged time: 1:41
